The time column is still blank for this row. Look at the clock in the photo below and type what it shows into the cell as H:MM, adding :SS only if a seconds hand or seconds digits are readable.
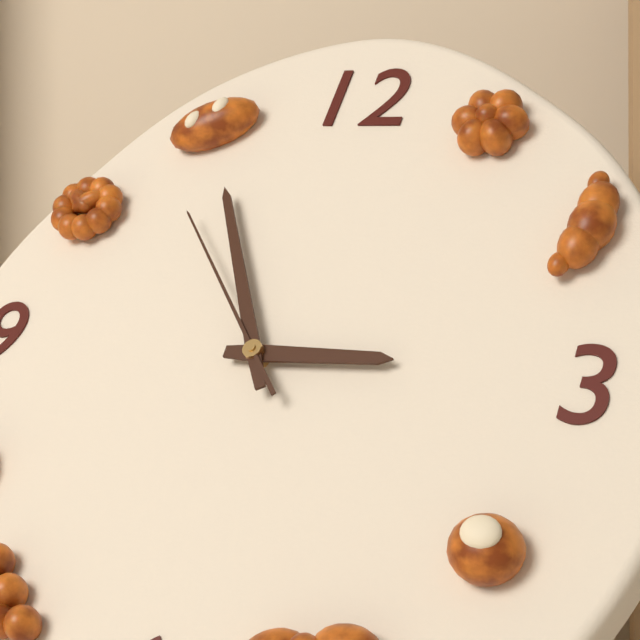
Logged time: 2:55:53
